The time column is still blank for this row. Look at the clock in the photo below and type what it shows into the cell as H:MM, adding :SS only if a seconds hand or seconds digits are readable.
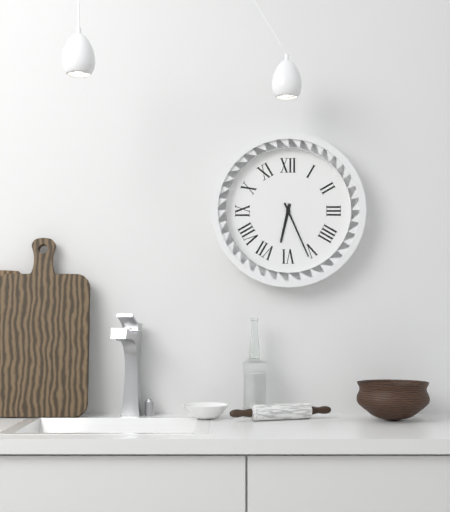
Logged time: 6:26
